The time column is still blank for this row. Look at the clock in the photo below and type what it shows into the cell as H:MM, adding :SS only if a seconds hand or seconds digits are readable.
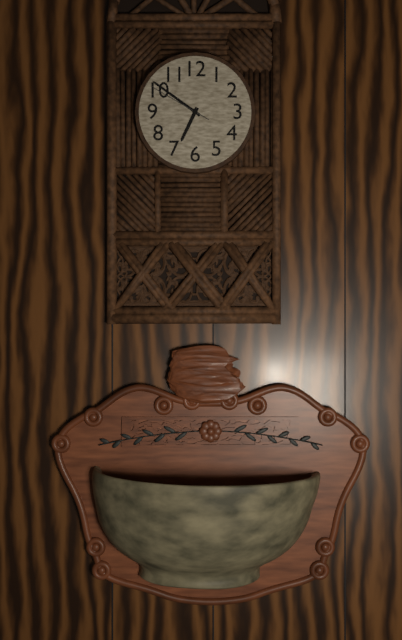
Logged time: 6:51:50
